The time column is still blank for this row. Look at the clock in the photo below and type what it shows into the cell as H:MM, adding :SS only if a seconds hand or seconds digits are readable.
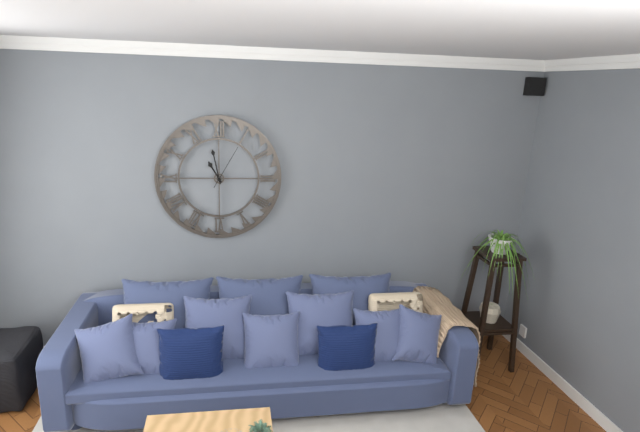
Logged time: 10:58
